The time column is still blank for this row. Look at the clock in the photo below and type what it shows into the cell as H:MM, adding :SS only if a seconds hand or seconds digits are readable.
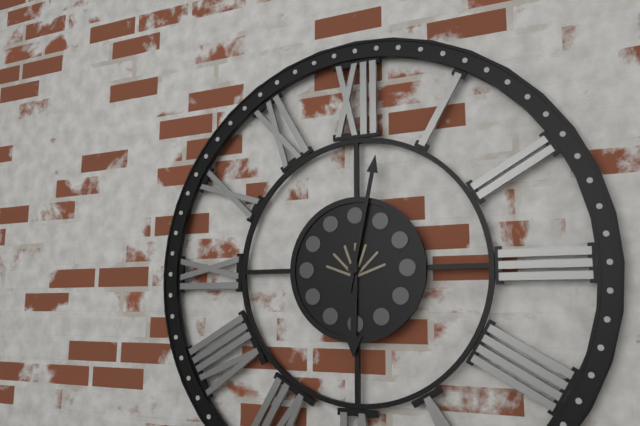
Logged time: 6:02
